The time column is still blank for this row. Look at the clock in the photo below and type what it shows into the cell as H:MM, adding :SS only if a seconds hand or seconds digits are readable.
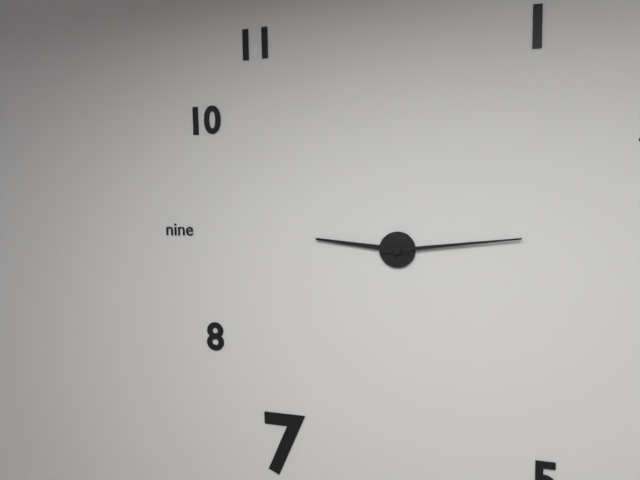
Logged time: 9:14
